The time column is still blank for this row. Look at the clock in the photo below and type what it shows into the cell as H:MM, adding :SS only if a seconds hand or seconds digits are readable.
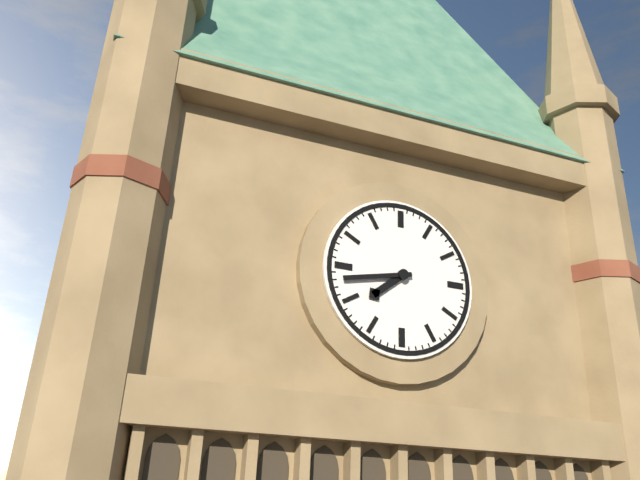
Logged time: 7:43
